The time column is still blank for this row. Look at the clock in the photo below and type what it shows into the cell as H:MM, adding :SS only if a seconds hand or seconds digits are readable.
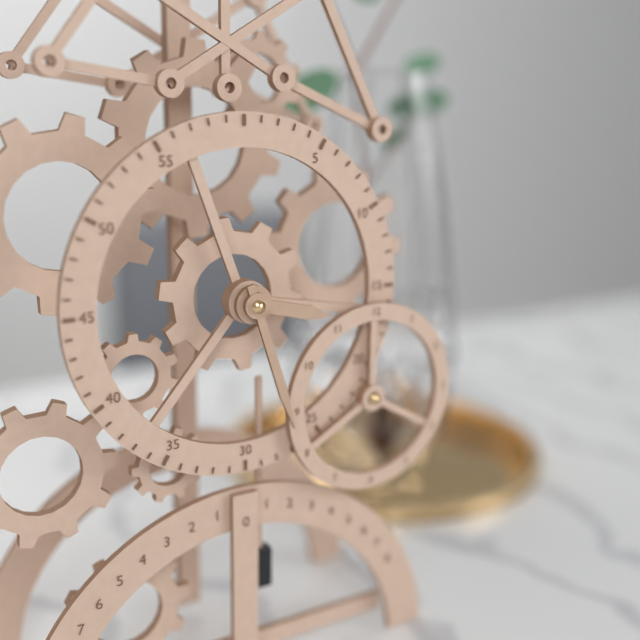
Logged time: 3:27
